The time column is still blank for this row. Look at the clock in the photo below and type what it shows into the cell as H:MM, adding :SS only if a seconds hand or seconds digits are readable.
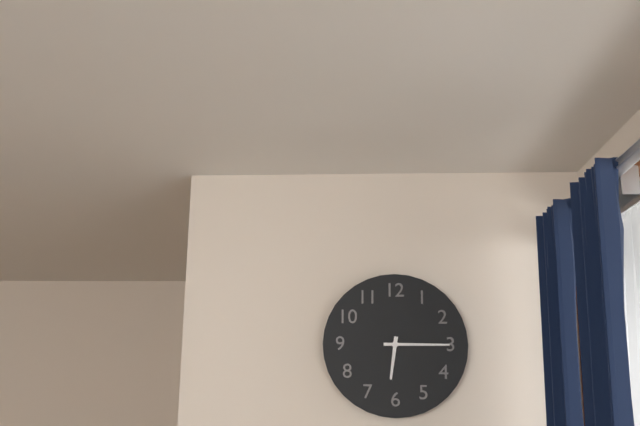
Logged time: 6:15
